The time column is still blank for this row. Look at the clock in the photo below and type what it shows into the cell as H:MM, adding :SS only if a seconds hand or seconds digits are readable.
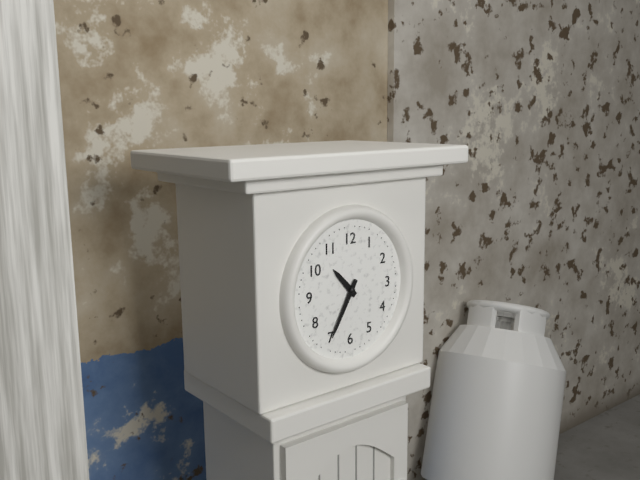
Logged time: 10:35
